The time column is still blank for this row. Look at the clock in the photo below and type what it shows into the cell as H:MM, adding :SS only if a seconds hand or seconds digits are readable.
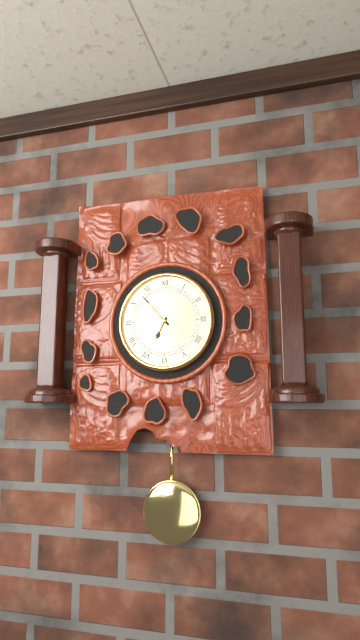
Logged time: 6:53
